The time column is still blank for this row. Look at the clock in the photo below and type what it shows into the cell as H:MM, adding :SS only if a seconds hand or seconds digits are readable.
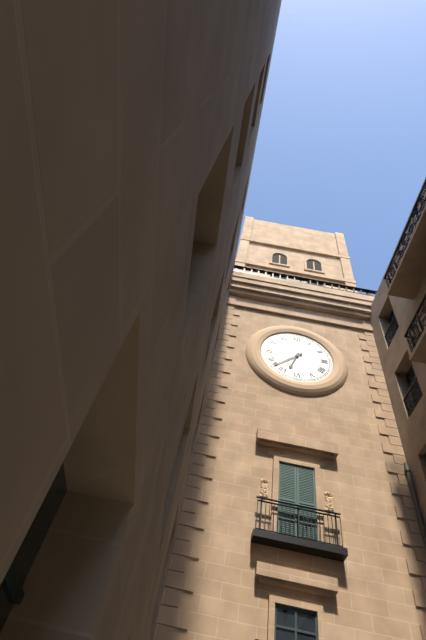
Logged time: 6:38
